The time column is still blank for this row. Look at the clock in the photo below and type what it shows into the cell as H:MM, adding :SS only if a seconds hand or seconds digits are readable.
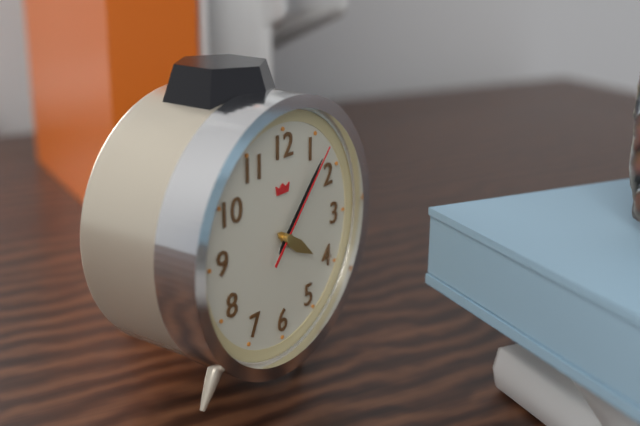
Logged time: 4:07:07
